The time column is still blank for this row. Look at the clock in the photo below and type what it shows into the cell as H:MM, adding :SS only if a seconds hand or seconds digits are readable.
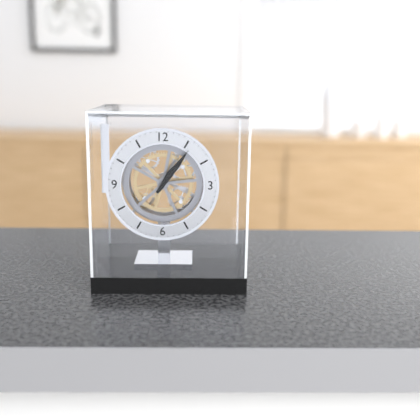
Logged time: 1:06
